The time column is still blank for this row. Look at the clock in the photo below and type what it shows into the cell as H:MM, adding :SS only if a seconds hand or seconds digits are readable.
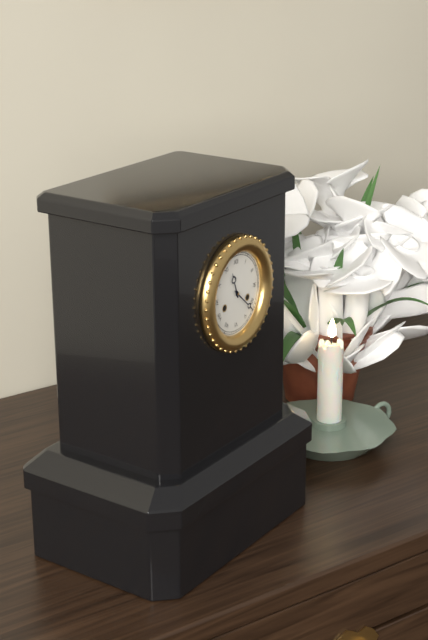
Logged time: 11:22
